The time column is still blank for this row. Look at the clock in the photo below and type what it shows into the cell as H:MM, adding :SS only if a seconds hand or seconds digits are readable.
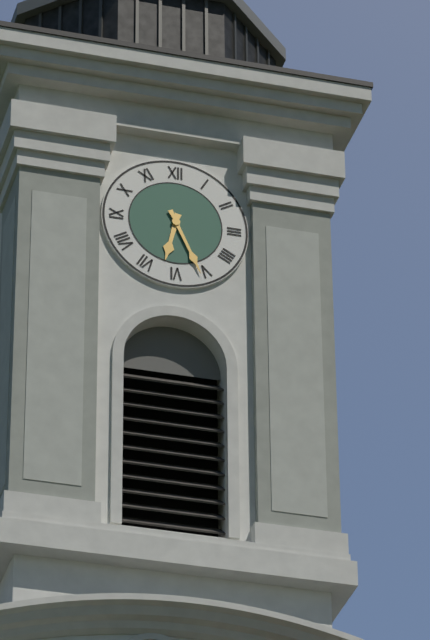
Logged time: 6:26
